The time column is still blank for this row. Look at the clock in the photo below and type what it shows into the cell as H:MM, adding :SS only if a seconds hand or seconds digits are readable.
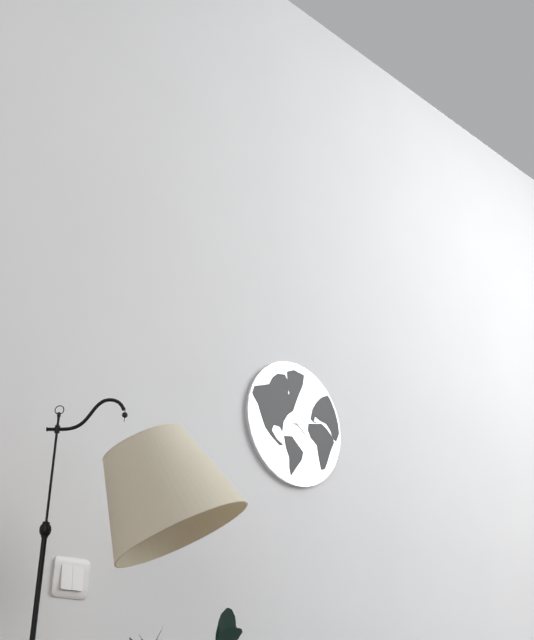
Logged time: 4:13
